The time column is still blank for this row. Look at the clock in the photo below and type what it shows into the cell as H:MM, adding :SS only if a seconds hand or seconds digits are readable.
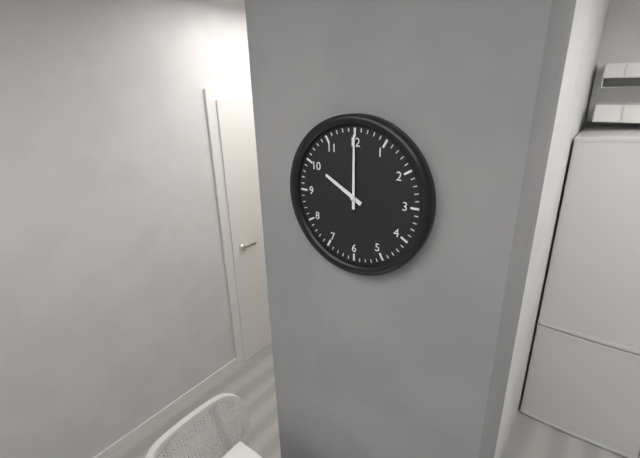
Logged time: 10:00
